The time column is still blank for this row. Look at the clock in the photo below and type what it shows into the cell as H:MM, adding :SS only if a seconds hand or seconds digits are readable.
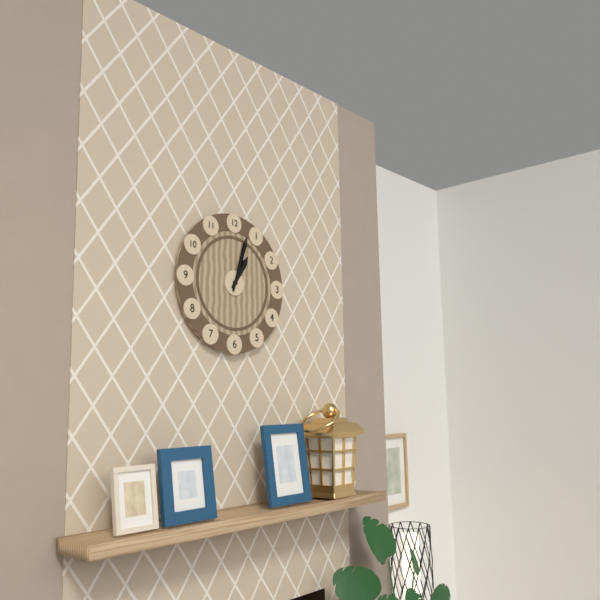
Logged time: 1:03
